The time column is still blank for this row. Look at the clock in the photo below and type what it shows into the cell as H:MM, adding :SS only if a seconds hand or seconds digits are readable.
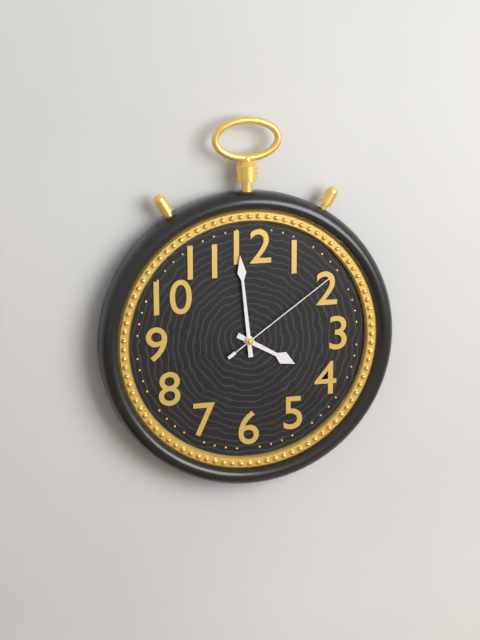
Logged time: 3:59:09
